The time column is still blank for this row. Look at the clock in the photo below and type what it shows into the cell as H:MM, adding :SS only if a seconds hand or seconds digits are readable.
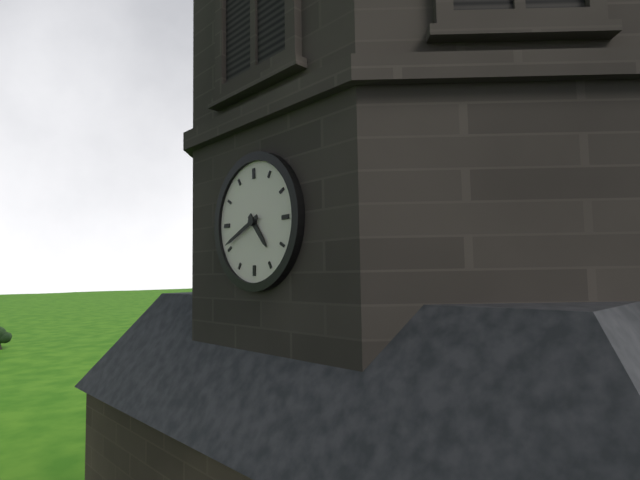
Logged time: 4:41
